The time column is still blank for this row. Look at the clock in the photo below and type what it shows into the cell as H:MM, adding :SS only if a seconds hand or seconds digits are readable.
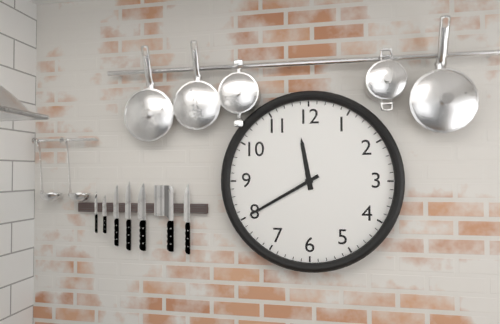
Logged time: 11:40
